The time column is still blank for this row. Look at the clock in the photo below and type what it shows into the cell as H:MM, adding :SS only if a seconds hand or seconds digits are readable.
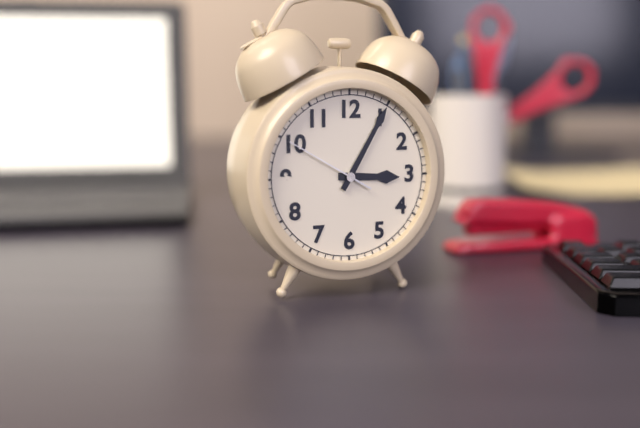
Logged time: 3:05:50
